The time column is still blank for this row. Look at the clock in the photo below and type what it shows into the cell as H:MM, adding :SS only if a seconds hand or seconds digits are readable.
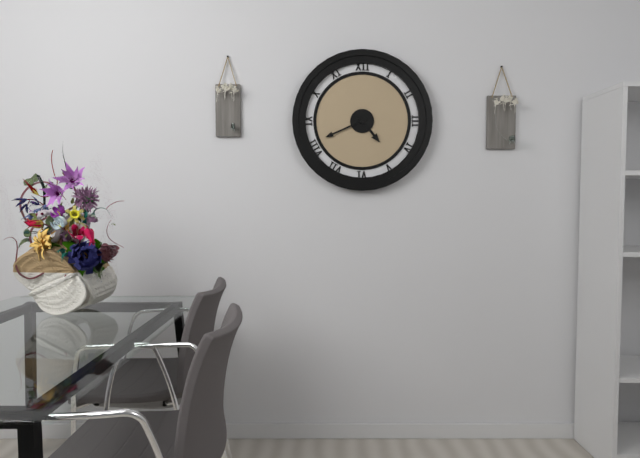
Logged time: 4:41
